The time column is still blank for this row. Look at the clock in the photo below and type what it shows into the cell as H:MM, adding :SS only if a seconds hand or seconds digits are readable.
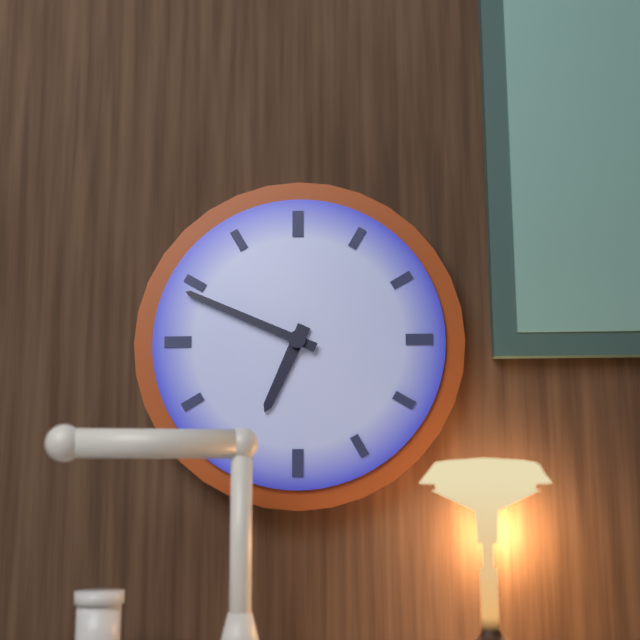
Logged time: 6:49
